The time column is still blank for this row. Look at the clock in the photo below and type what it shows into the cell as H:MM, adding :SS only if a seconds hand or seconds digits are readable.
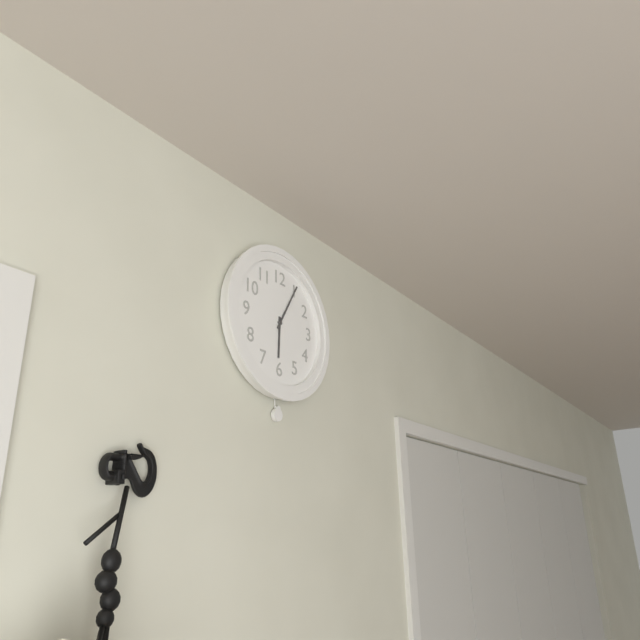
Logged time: 6:05
